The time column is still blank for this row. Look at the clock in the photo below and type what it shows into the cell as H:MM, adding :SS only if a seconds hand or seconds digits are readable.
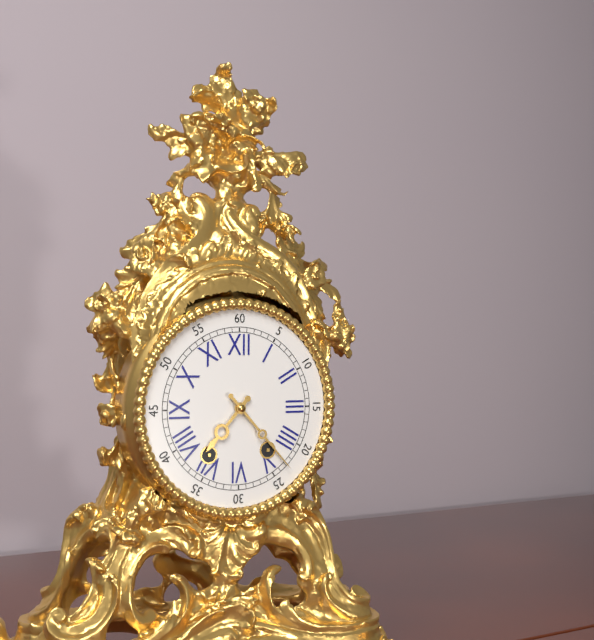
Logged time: 7:23
